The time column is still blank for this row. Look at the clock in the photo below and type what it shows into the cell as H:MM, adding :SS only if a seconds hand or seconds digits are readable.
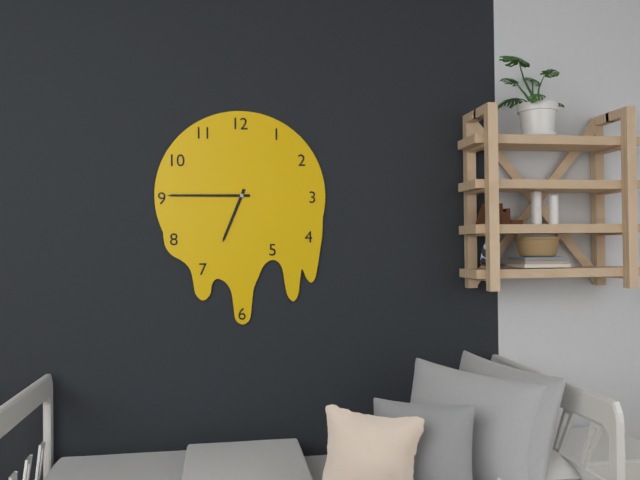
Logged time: 6:45
